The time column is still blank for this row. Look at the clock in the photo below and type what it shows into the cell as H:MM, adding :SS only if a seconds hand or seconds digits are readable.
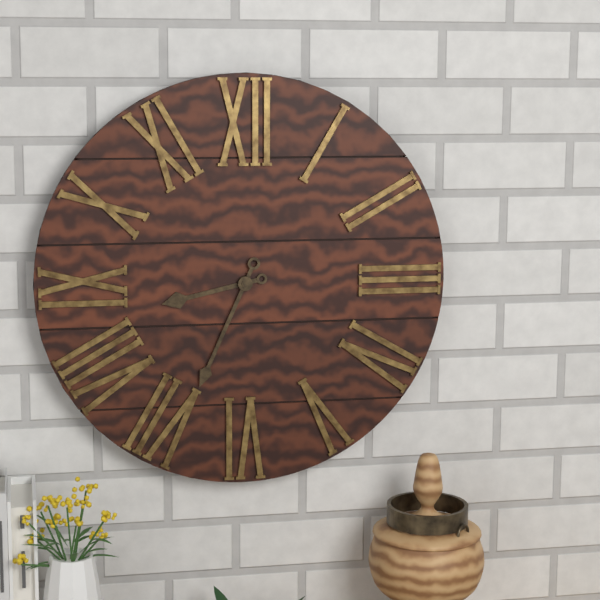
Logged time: 8:34
